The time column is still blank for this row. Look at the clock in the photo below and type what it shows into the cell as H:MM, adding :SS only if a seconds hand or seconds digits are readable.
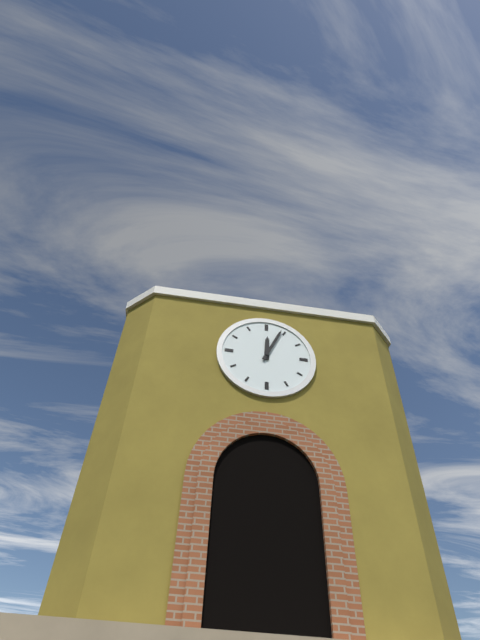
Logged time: 12:04
